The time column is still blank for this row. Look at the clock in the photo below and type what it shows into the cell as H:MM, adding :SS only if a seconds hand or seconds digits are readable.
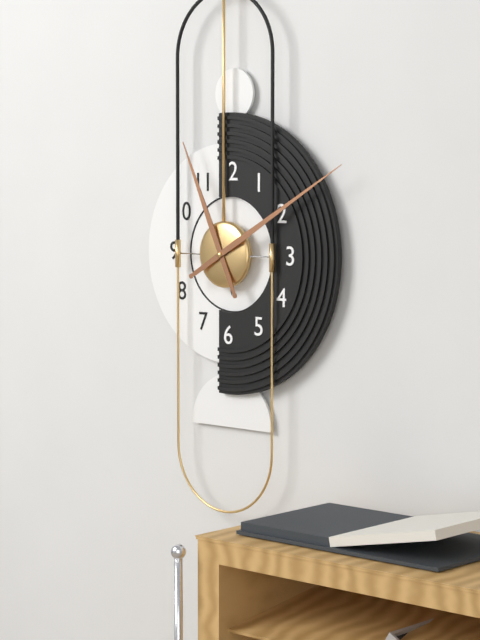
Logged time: 11:10
